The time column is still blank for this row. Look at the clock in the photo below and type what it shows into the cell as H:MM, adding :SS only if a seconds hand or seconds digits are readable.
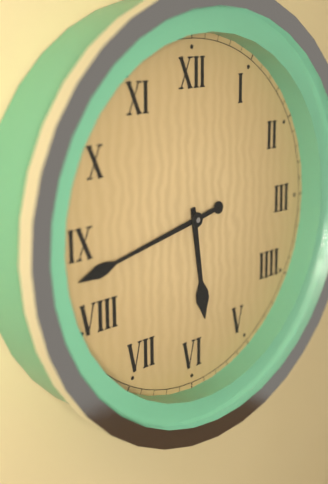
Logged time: 5:43
